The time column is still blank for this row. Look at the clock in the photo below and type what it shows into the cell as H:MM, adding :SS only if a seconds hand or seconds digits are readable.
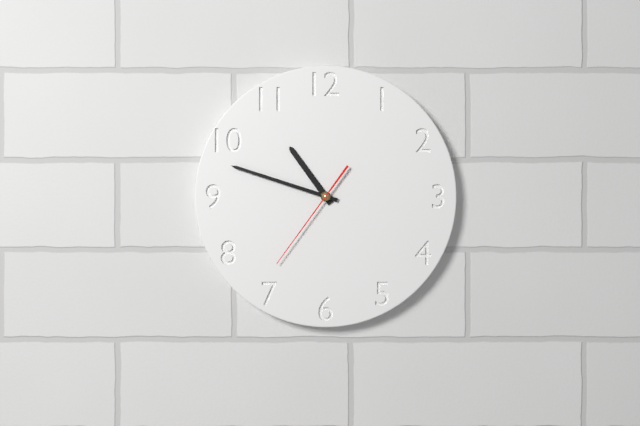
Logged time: 10:48:36
